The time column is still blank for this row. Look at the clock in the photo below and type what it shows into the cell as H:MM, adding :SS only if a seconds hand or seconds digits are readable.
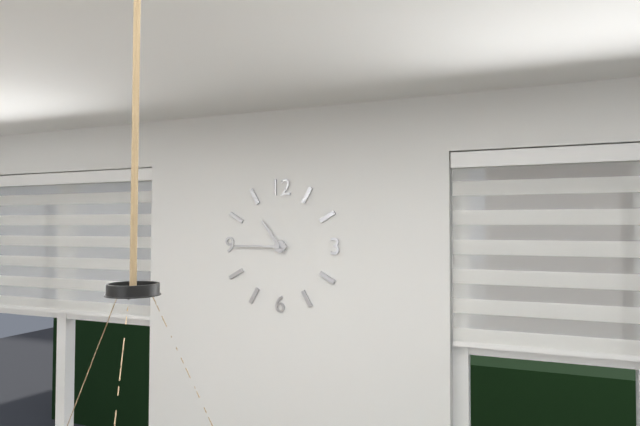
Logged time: 10:45
